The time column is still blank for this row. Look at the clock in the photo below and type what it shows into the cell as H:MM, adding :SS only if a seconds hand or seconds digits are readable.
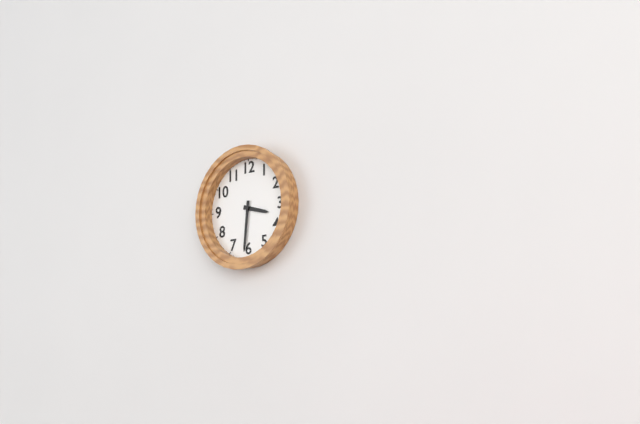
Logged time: 3:31
